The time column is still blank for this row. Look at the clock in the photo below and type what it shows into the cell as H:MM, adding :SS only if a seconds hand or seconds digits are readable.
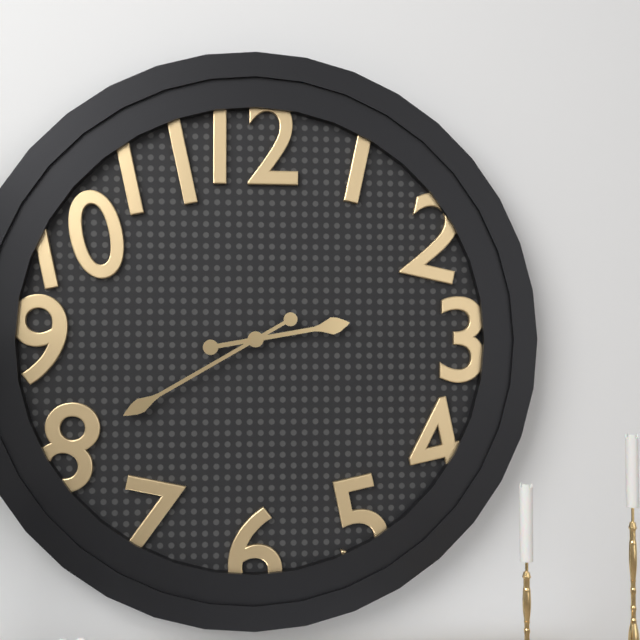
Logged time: 2:40
